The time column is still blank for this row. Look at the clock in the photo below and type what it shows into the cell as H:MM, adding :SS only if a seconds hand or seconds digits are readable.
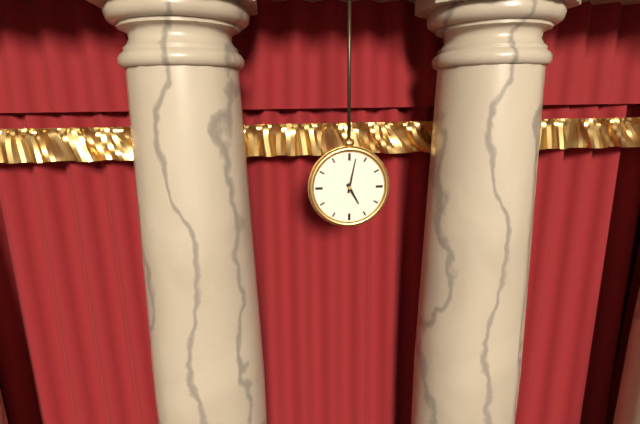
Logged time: 5:02
